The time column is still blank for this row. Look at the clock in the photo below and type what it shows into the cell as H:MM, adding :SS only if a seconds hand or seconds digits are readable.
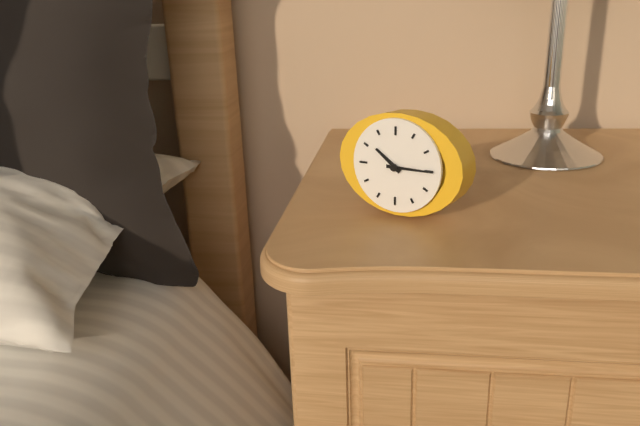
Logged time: 10:15
